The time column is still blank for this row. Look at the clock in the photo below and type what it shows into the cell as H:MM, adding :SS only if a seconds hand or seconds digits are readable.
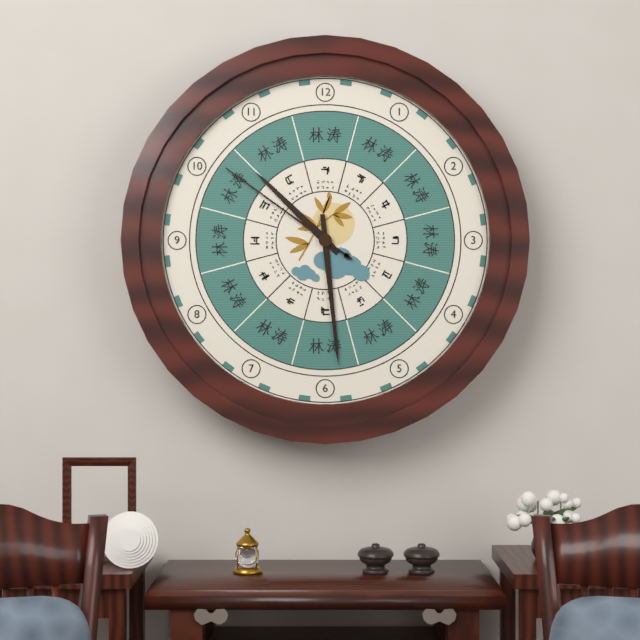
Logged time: 10:29:51
